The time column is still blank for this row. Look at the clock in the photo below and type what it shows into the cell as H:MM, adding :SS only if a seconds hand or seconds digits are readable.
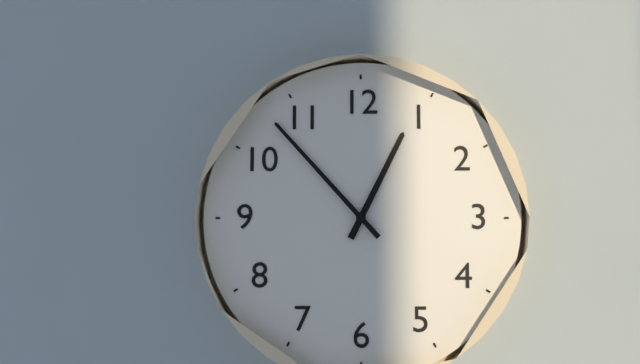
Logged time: 12:53
